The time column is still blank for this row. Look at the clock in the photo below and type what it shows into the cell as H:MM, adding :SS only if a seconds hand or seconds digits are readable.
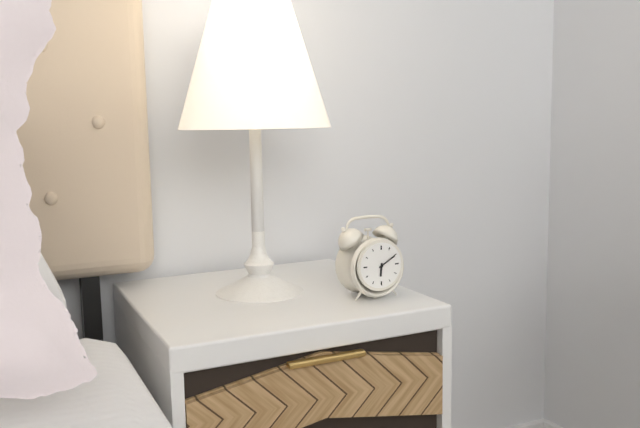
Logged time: 6:10
